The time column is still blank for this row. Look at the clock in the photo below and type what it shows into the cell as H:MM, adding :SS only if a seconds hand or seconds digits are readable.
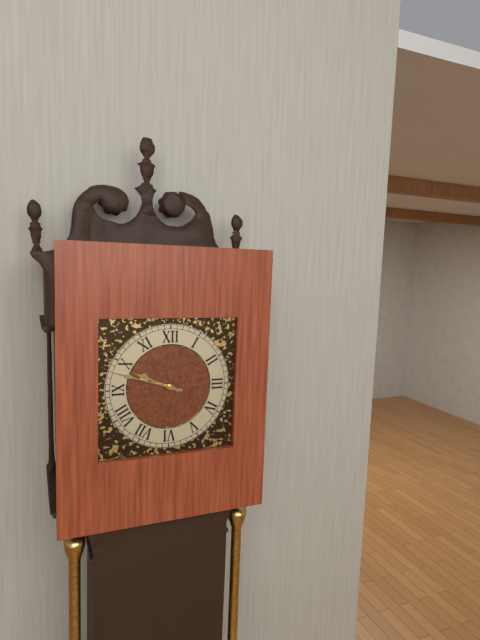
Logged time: 9:48
